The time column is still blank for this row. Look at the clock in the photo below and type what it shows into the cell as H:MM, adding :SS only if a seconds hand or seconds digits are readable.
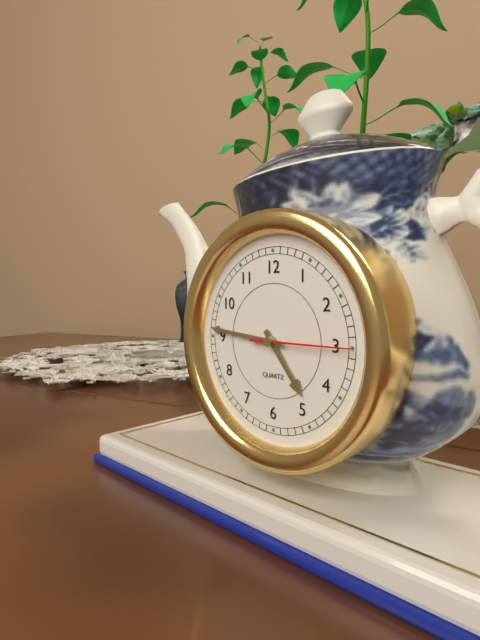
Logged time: 4:46:15
